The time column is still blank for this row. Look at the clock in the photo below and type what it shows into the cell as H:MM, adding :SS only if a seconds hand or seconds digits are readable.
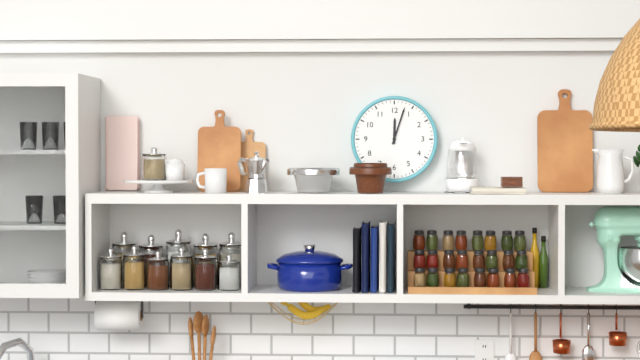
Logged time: 12:03
